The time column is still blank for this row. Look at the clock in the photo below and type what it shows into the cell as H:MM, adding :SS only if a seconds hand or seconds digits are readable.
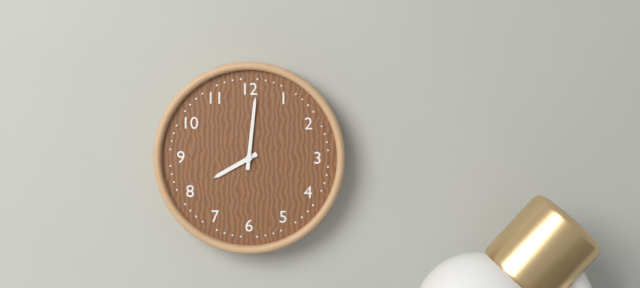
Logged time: 8:01
